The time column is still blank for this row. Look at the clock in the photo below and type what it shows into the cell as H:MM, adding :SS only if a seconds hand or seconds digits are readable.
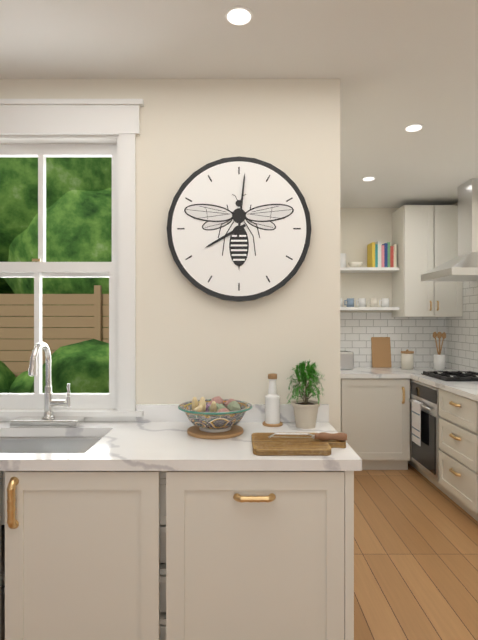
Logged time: 8:01
